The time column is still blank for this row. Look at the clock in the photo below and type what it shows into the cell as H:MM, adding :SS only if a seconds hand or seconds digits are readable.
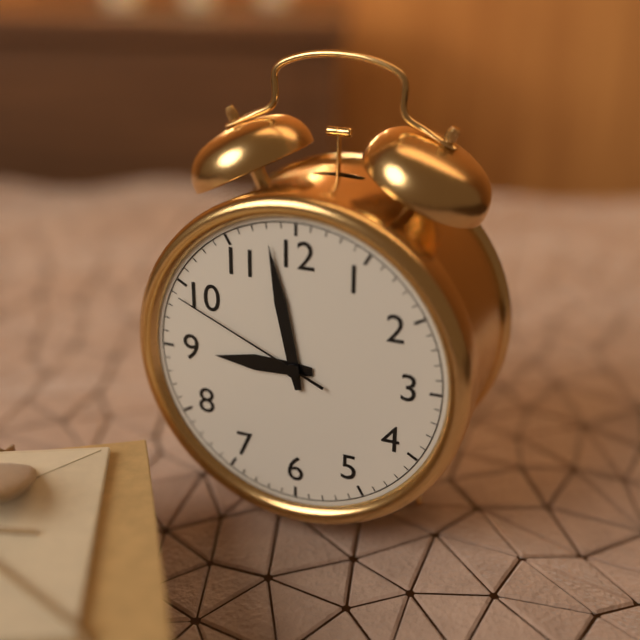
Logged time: 8:58:49
